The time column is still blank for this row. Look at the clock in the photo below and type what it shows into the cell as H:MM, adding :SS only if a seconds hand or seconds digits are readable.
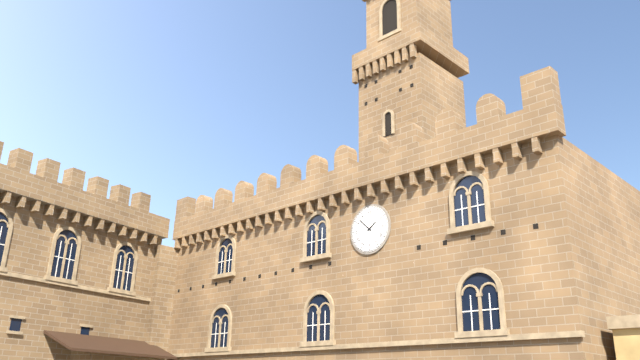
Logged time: 1:52
